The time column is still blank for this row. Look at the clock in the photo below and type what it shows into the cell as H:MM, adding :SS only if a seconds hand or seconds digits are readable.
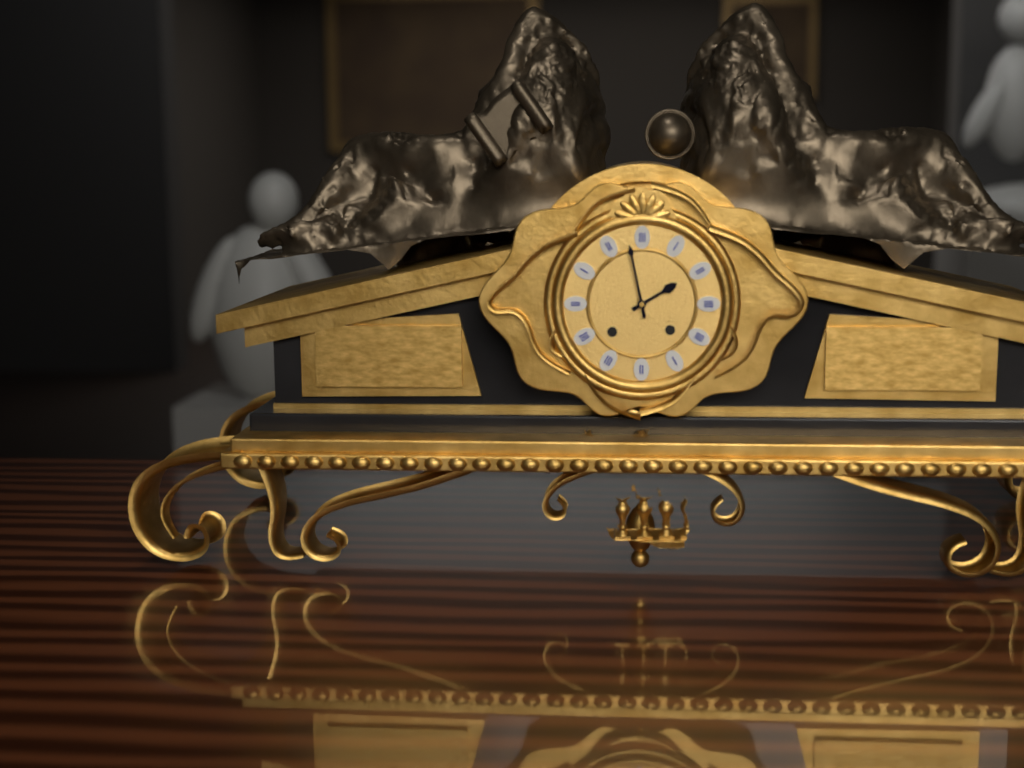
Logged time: 1:58
